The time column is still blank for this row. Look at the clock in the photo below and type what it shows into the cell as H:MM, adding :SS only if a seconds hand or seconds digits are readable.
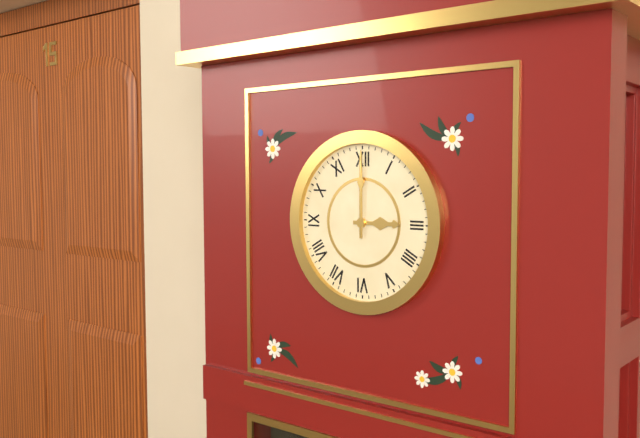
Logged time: 3:00
